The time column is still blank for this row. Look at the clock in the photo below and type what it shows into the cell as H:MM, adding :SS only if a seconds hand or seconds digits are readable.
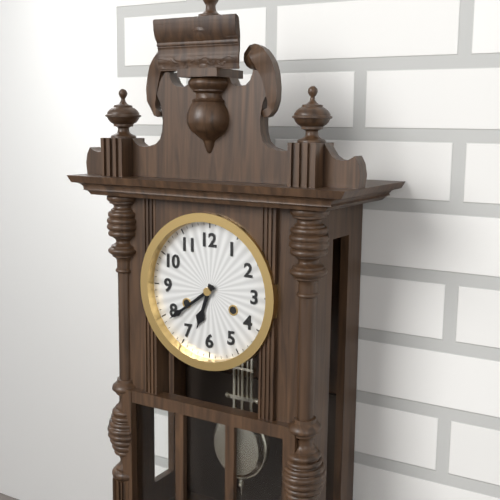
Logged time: 6:39
